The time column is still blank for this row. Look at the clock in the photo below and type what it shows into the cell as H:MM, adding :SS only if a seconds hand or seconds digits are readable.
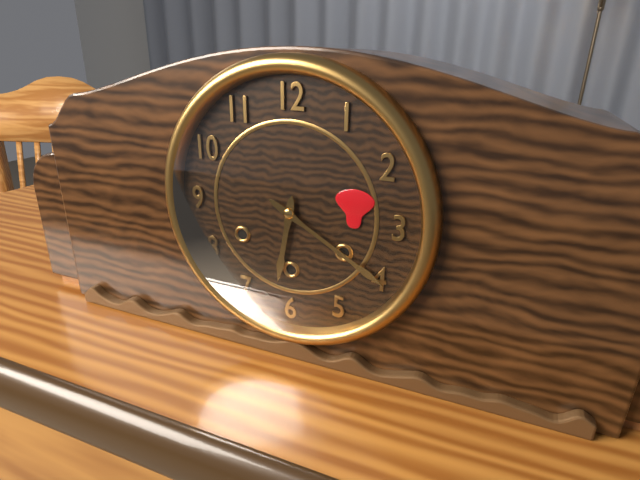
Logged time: 6:20
